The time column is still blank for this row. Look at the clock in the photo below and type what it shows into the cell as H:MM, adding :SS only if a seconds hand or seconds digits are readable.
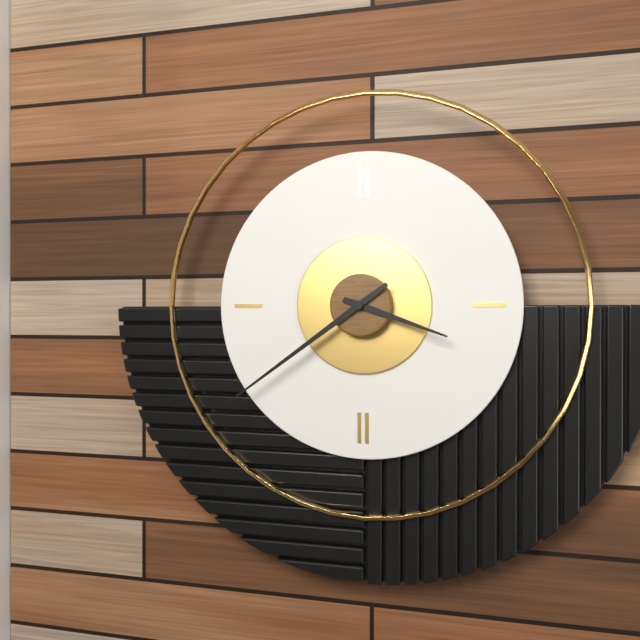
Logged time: 3:39
